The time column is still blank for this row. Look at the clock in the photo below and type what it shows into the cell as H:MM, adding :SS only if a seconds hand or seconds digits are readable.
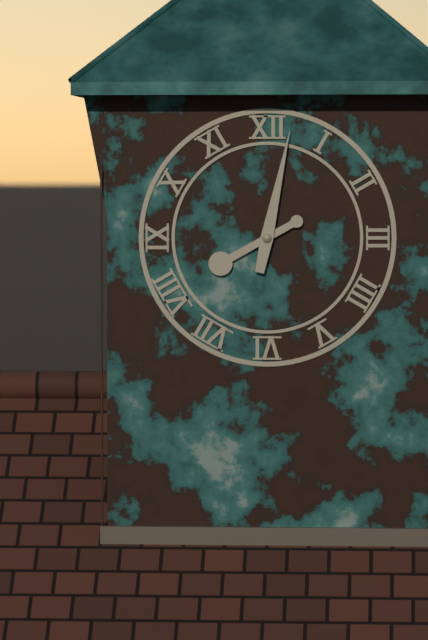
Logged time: 8:02
